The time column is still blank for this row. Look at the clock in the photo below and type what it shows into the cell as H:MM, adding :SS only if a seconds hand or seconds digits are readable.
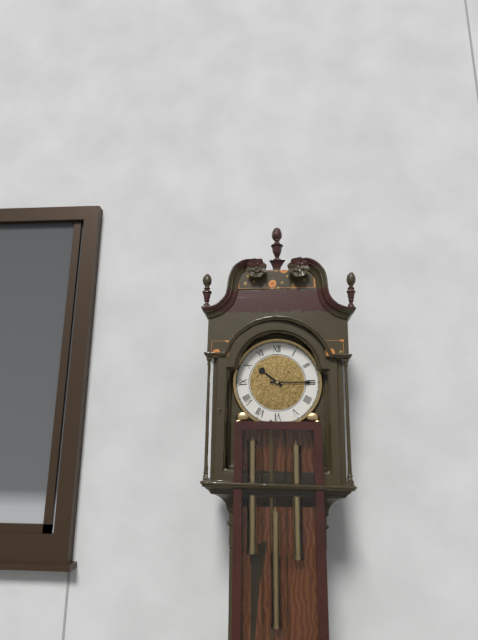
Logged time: 10:15
